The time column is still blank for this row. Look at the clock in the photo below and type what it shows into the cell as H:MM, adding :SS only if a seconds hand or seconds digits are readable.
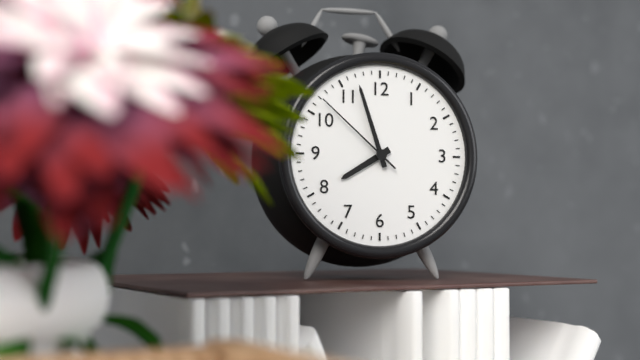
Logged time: 7:57:52
